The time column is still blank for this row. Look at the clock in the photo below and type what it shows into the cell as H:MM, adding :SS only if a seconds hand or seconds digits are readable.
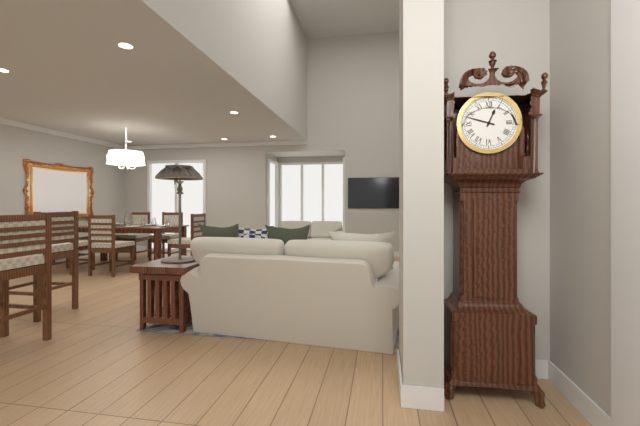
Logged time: 12:48
